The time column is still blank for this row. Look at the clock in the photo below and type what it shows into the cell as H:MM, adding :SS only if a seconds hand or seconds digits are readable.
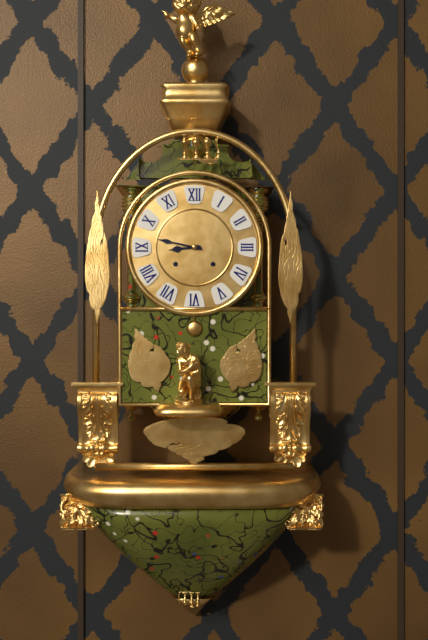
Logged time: 8:47
